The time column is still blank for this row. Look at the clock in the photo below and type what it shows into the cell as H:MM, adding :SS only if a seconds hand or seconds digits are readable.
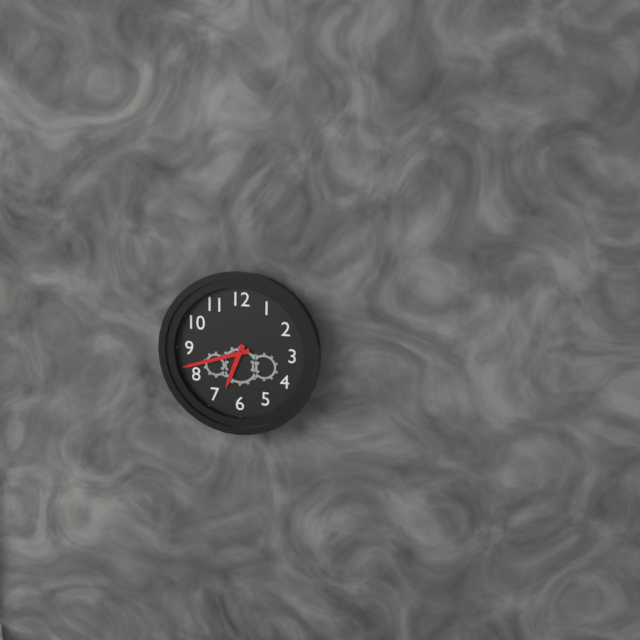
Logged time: 6:42
